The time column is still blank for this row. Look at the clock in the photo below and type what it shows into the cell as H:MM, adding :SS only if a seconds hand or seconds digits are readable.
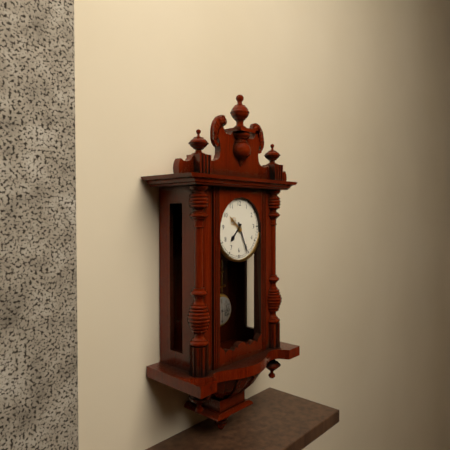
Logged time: 7:26
